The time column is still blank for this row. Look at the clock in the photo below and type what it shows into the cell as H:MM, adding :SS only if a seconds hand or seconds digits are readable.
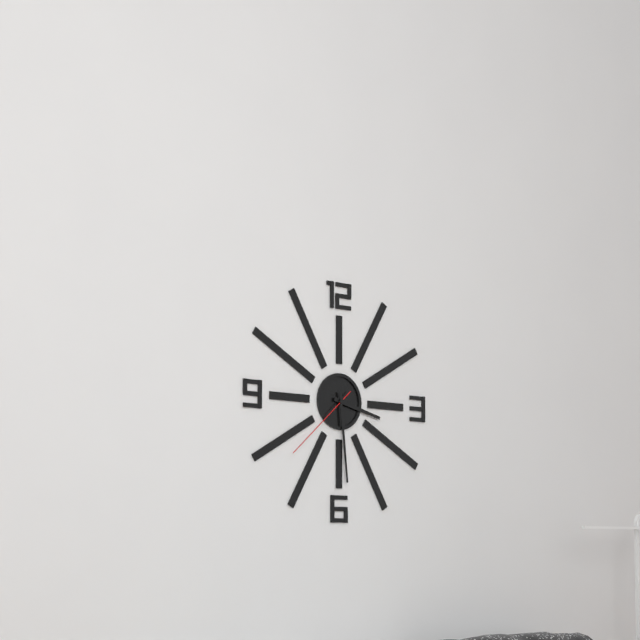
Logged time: 3:29:38
